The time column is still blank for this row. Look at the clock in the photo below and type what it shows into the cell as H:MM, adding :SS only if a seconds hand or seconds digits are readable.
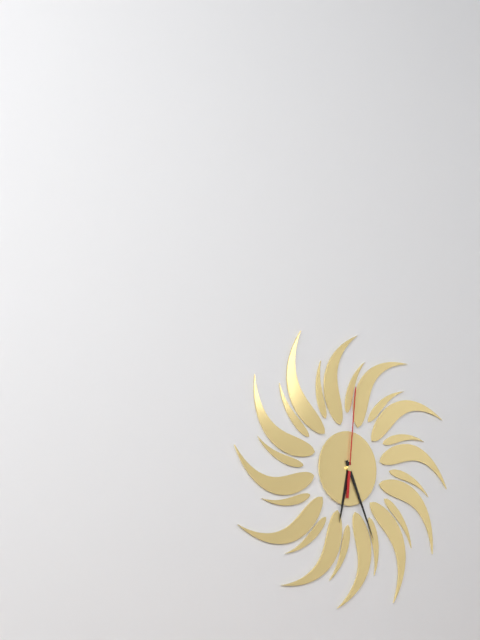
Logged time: 6:26:01
